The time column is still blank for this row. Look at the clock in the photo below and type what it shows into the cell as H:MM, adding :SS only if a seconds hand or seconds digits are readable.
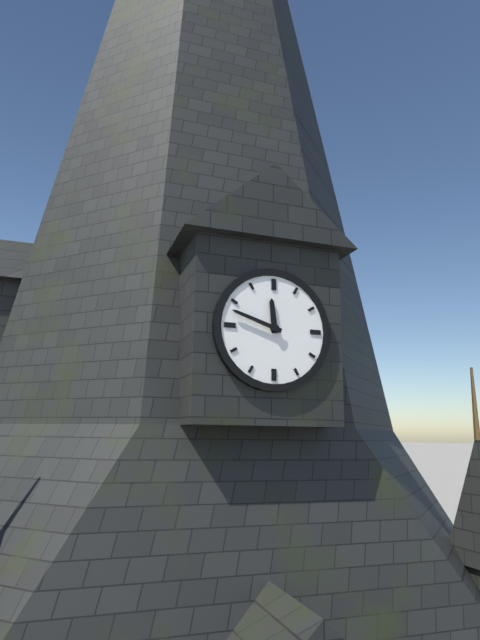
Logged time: 11:48
